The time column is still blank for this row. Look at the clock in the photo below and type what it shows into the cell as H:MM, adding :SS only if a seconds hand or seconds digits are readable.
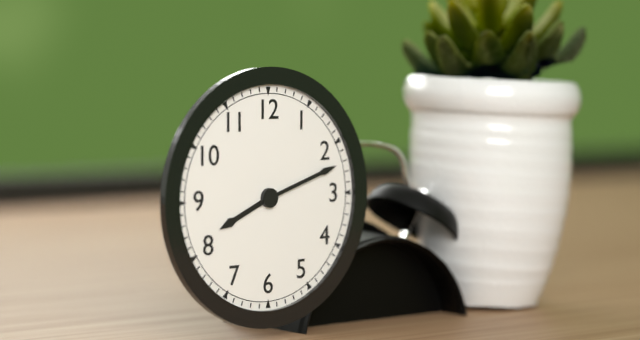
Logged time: 8:12
